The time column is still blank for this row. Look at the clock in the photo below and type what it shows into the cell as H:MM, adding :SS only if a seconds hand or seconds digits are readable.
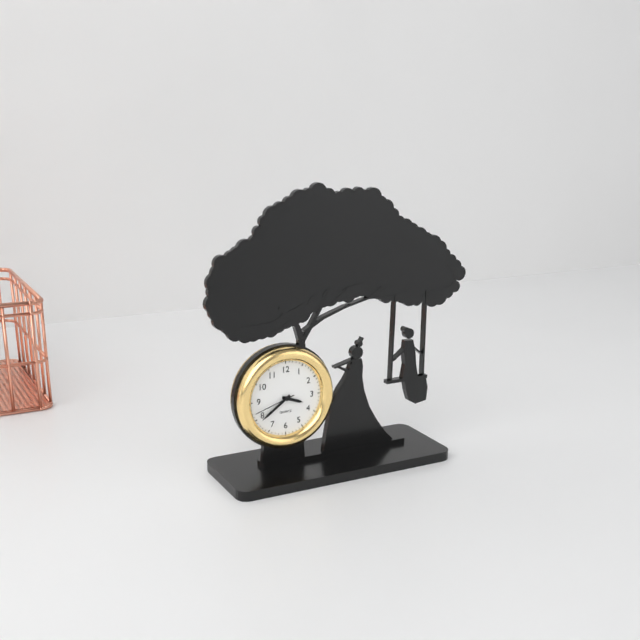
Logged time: 3:39
